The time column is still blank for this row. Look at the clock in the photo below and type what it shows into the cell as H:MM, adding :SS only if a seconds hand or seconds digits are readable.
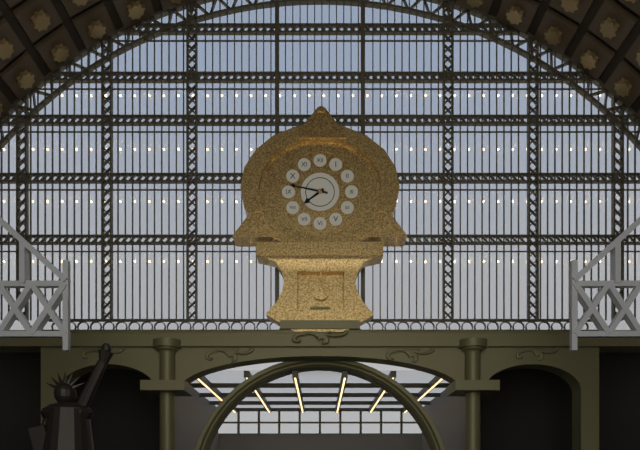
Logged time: 7:47
